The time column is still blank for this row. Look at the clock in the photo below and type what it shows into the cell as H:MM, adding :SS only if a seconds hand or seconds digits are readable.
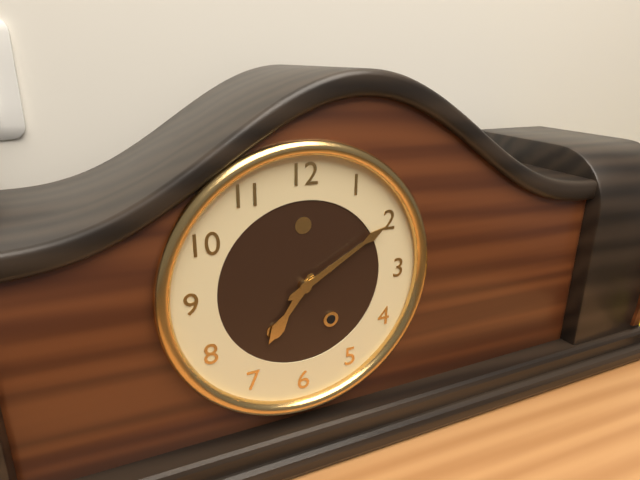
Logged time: 7:10
